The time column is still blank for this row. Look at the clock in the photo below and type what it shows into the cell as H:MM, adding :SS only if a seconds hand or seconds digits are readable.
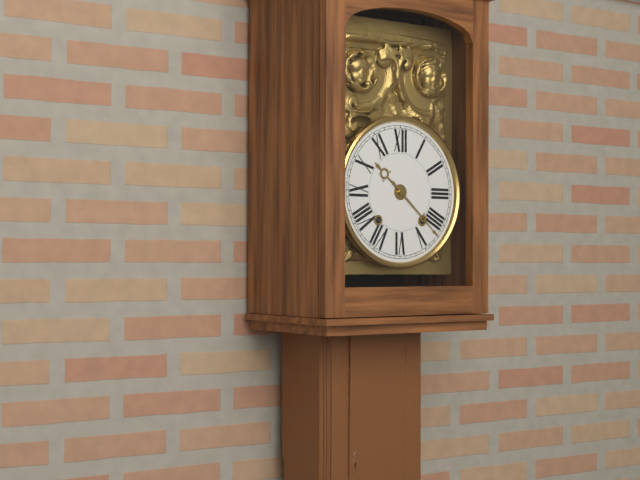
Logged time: 10:22
